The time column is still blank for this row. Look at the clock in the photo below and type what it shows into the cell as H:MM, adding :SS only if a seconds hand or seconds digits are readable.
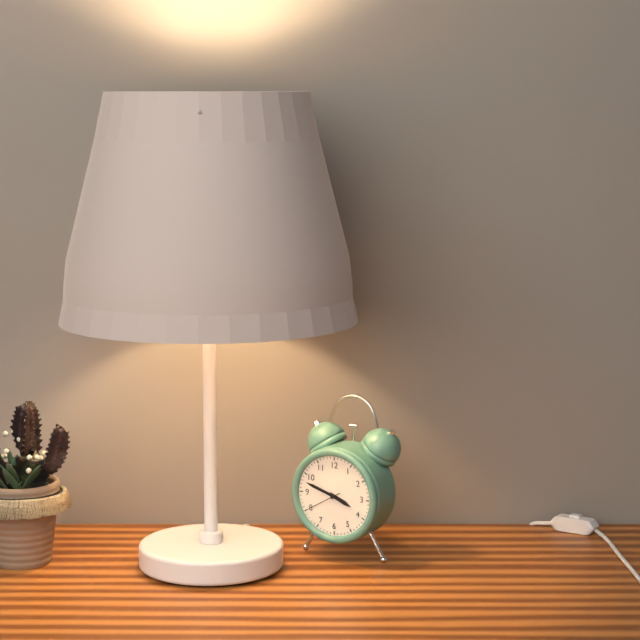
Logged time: 3:48
